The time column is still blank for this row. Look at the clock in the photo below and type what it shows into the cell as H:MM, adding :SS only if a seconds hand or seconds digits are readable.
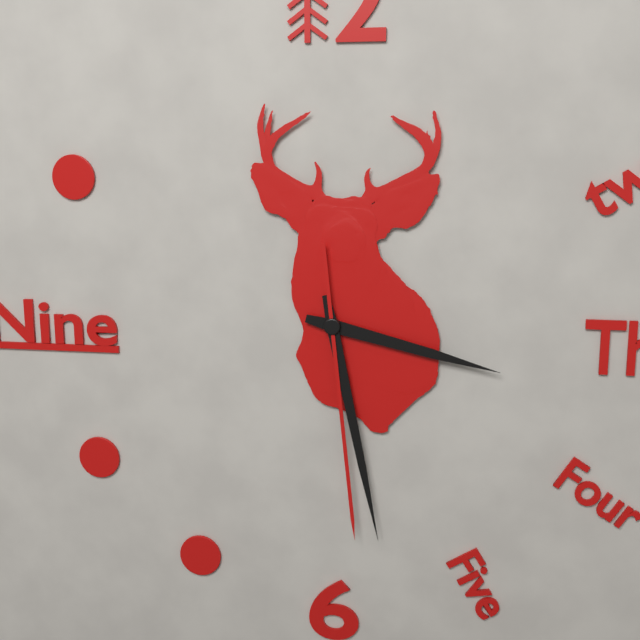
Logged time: 3:28:29
